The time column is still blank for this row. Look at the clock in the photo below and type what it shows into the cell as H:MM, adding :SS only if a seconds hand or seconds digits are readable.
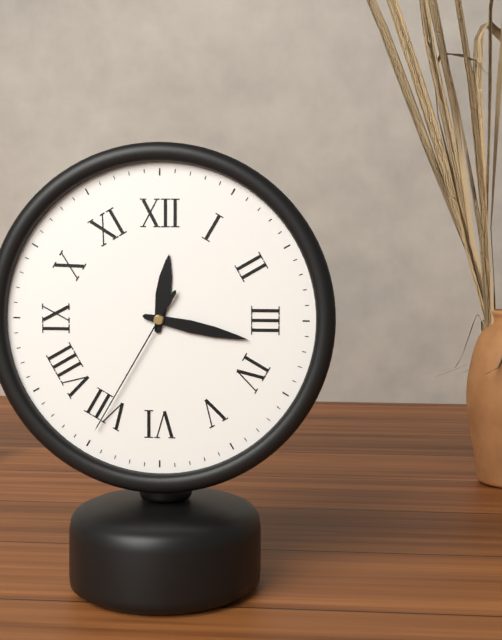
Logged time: 12:17:35
